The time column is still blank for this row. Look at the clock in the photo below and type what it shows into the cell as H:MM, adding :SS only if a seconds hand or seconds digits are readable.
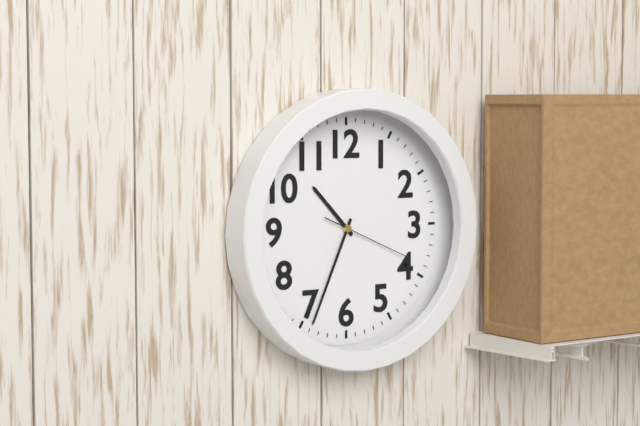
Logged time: 10:34:19
